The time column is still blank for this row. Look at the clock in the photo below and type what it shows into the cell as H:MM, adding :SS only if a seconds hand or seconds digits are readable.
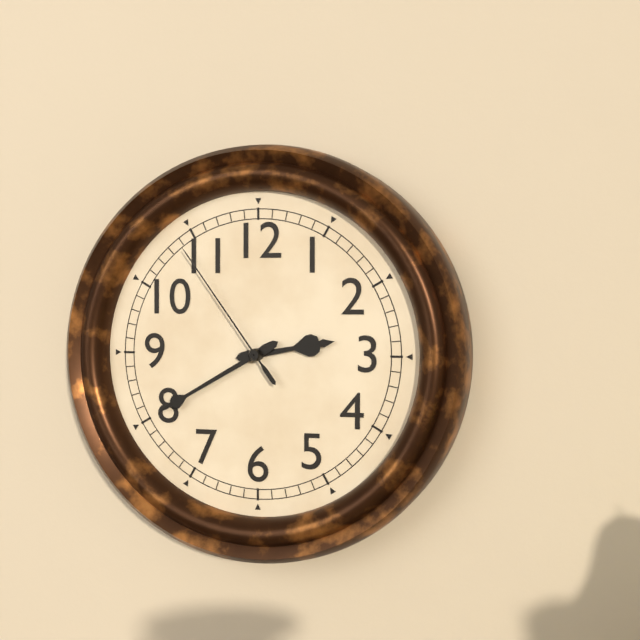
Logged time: 2:40:54
